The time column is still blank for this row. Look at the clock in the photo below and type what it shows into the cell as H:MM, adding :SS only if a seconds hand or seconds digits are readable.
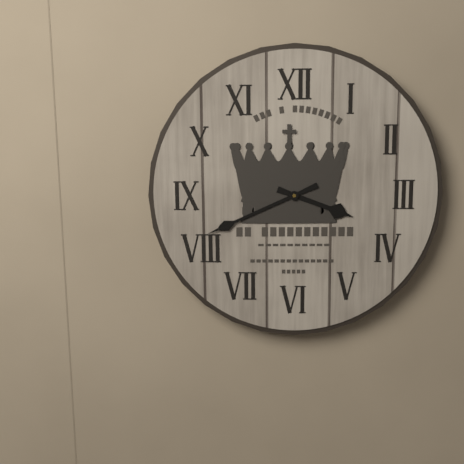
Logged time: 3:41
